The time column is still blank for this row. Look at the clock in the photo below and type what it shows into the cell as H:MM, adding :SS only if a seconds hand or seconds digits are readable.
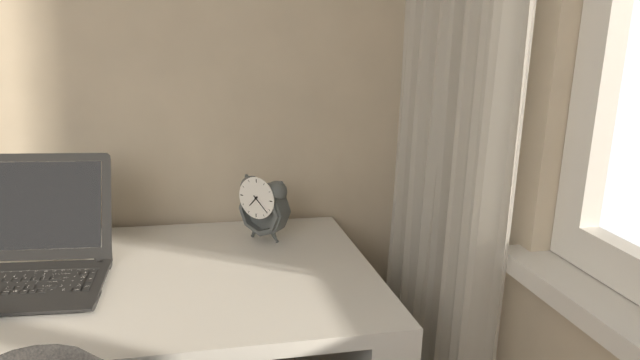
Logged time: 7:22
